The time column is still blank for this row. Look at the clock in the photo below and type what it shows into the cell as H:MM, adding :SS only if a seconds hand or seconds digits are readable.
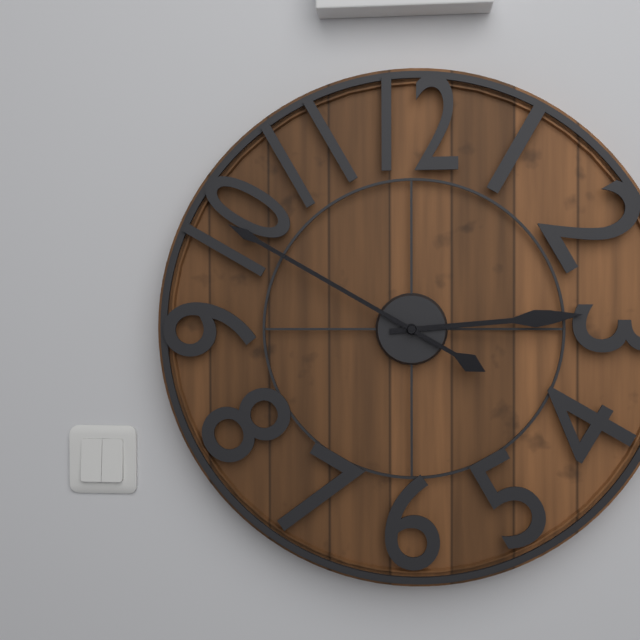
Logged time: 2:50
